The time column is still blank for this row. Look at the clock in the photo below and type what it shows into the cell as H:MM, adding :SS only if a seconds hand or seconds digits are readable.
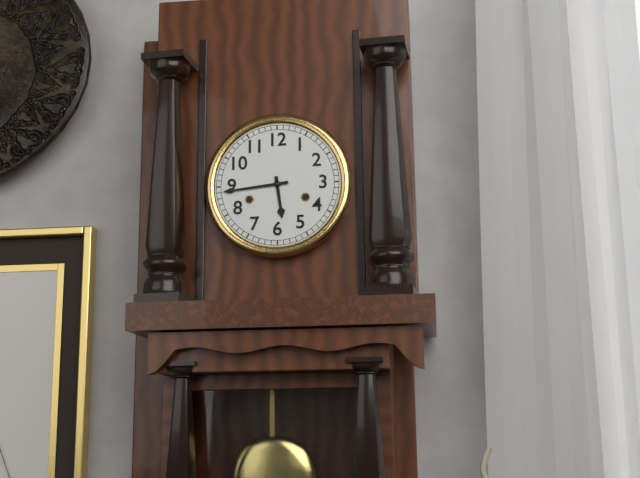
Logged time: 5:44
